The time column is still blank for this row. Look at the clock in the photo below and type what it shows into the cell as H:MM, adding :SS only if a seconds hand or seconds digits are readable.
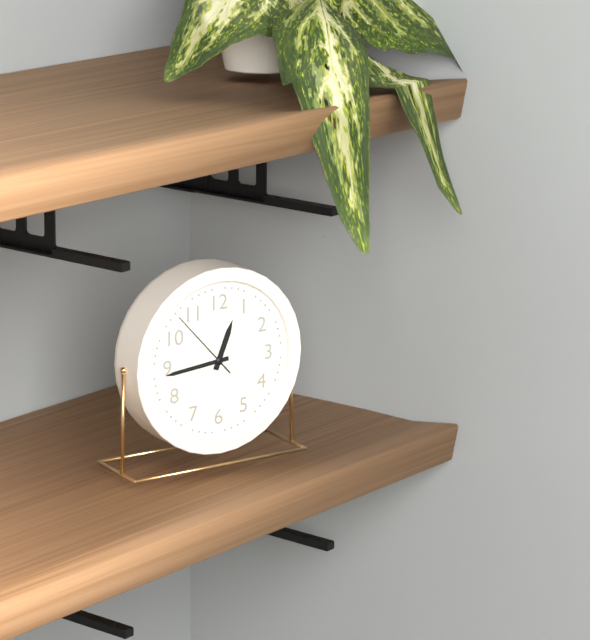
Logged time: 12:44:53
